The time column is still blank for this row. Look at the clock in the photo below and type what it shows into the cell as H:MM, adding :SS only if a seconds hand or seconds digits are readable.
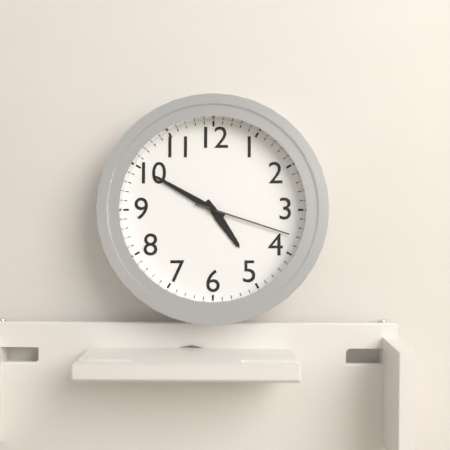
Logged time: 4:50:18
